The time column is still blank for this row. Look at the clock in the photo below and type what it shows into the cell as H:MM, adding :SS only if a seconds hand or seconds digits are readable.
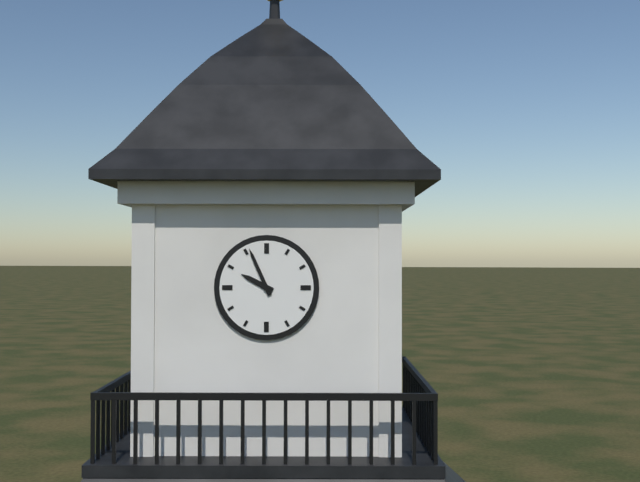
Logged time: 9:56
